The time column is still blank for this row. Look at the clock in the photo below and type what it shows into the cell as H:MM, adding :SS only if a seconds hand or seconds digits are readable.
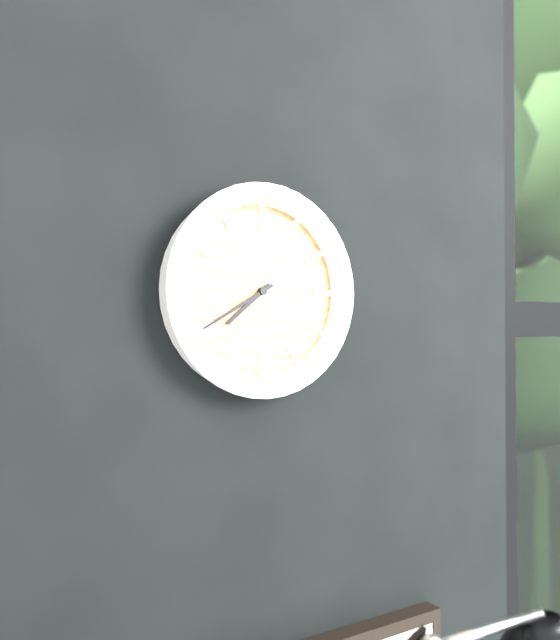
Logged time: 7:40
